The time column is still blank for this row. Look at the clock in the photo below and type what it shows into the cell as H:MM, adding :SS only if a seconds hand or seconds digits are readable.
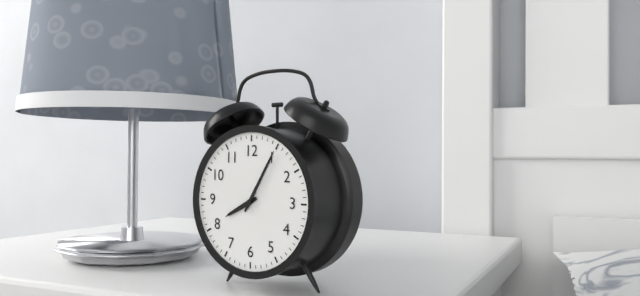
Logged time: 8:05
